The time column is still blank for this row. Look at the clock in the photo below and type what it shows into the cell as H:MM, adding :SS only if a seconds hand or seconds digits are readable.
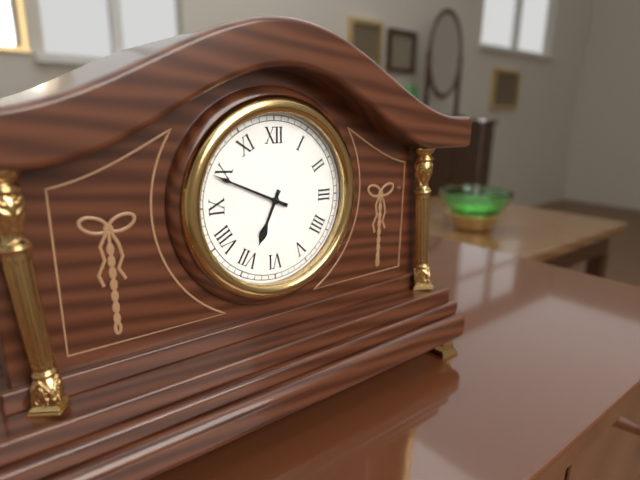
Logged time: 6:49
